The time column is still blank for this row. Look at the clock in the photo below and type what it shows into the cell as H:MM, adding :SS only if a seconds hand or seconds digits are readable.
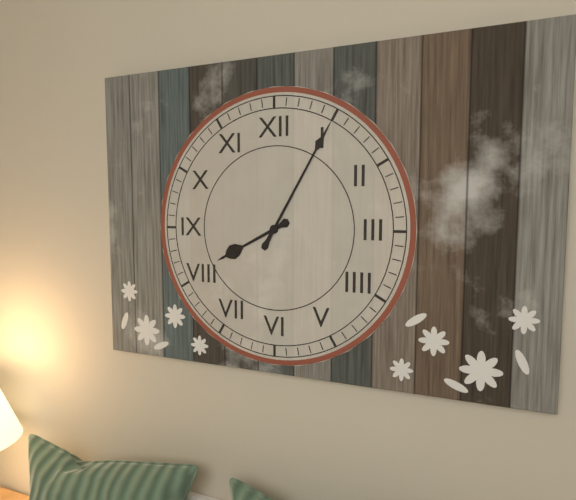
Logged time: 8:05
